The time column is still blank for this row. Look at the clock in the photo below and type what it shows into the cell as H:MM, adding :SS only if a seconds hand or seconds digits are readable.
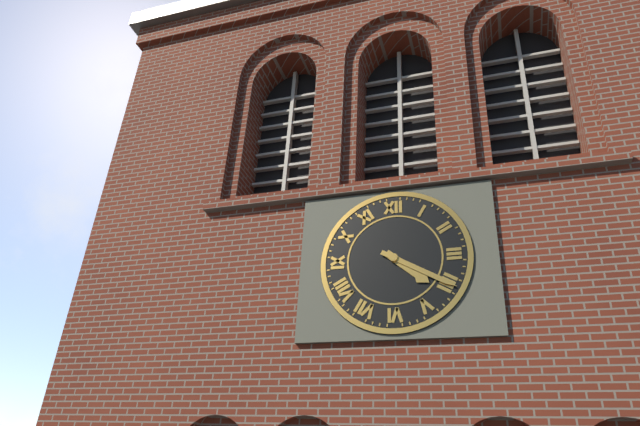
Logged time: 4:20
